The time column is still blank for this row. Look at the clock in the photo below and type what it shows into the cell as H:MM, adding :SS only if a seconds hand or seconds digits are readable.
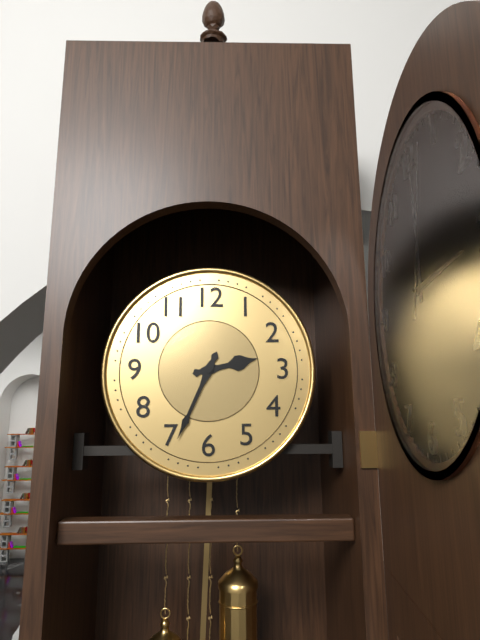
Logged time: 2:34
